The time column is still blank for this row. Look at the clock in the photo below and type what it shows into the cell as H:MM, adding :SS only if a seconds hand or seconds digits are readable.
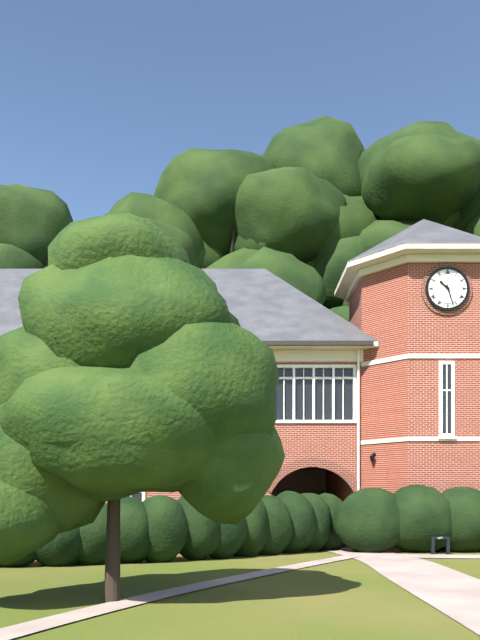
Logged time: 10:27
